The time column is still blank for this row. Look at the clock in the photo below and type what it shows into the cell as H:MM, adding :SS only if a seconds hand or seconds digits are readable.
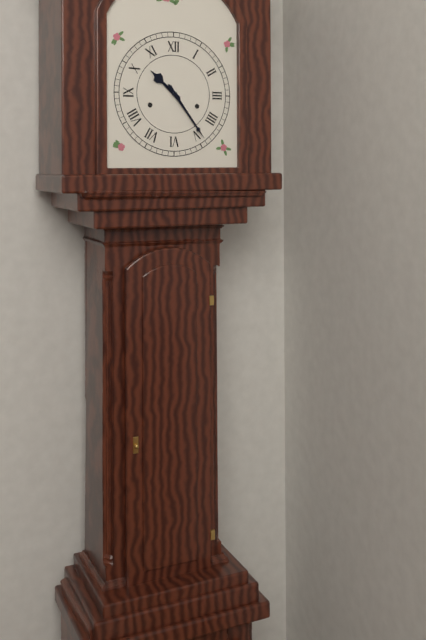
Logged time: 10:24
